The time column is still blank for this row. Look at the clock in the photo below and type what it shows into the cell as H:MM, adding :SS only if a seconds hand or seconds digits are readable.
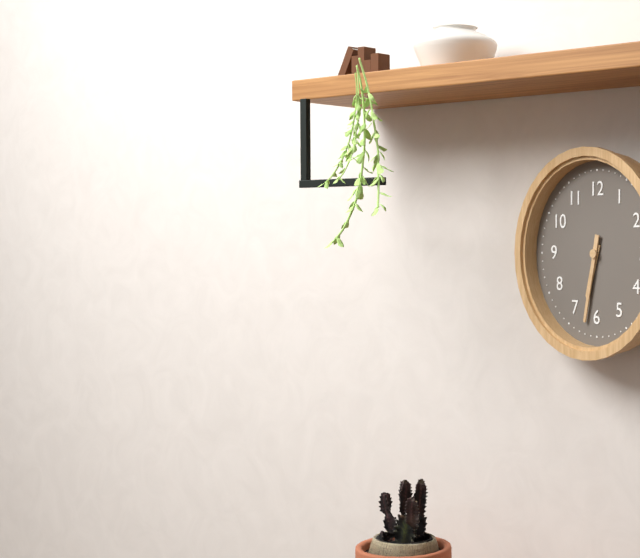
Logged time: 6:32
